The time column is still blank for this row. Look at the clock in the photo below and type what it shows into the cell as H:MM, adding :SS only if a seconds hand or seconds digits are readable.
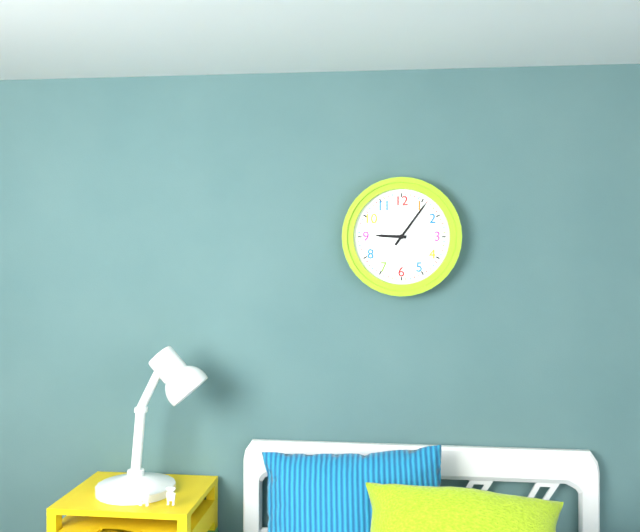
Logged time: 9:06
